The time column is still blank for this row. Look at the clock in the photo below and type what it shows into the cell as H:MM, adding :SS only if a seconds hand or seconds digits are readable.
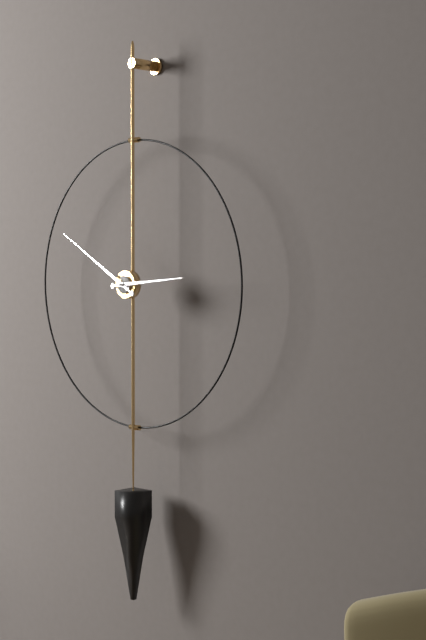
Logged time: 2:50
